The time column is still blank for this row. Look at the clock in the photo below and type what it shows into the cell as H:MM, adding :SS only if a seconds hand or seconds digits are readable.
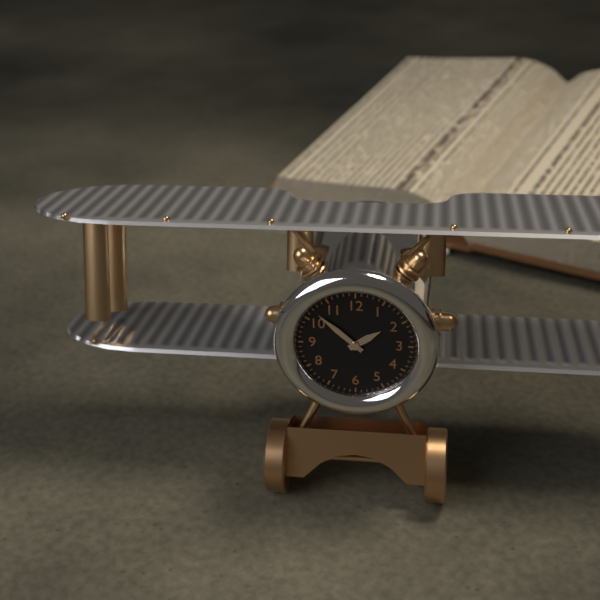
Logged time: 1:52
